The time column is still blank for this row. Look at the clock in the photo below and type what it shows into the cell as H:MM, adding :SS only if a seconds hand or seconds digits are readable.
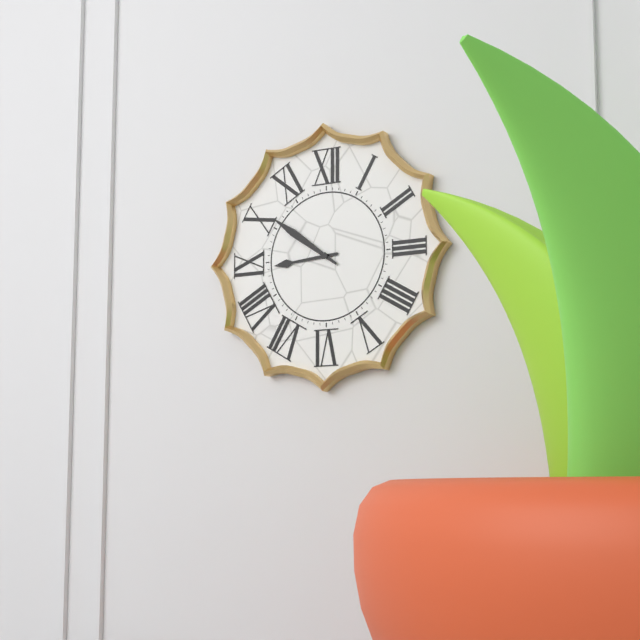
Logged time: 8:51
